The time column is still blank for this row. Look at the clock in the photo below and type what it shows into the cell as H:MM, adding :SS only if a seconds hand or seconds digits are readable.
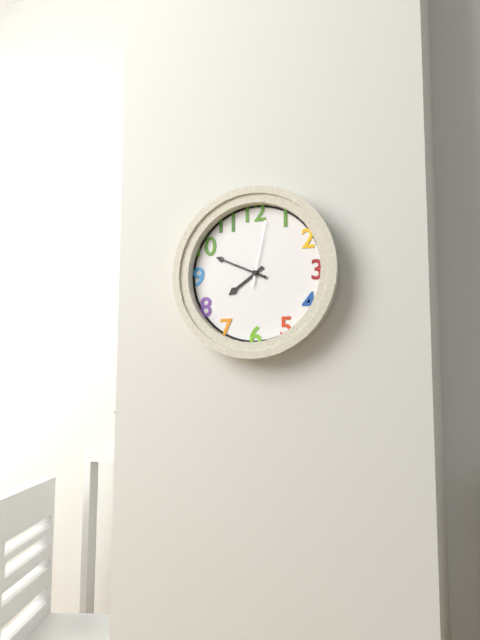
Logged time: 7:49:02
